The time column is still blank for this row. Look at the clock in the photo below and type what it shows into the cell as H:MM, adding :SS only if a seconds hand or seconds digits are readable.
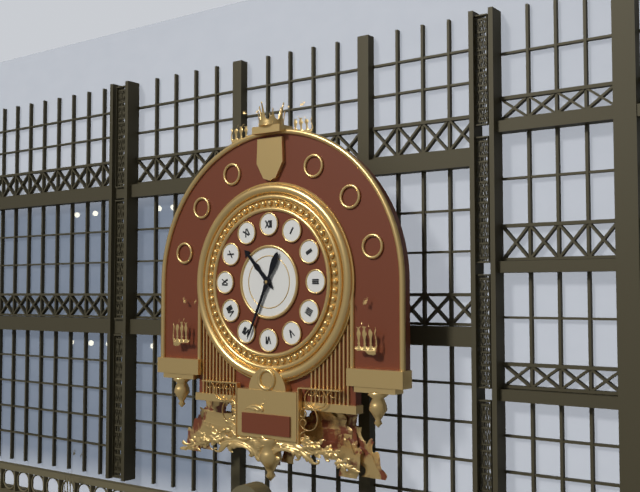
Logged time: 10:34
